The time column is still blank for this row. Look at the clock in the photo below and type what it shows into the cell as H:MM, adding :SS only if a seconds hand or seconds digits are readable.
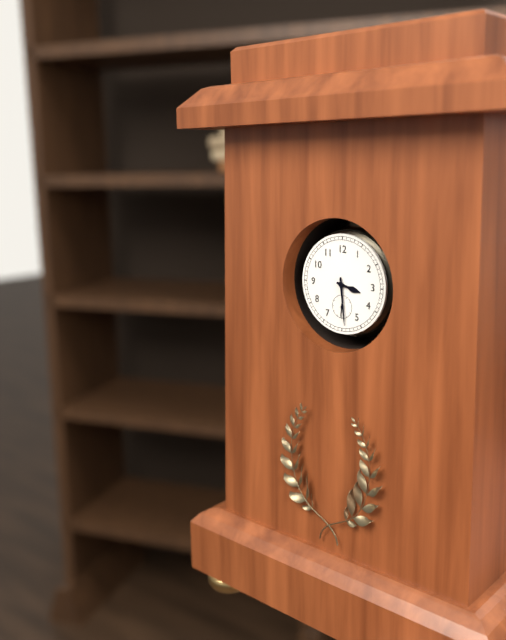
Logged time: 3:29
